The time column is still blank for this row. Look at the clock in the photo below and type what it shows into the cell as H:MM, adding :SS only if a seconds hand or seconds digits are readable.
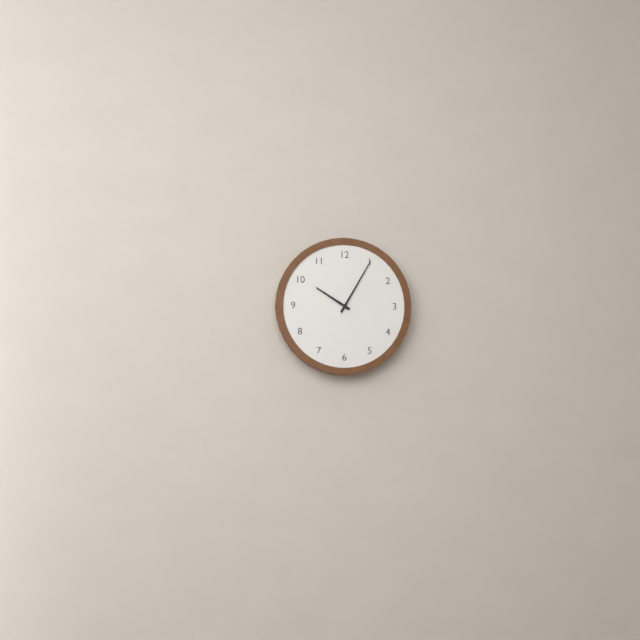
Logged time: 10:05
